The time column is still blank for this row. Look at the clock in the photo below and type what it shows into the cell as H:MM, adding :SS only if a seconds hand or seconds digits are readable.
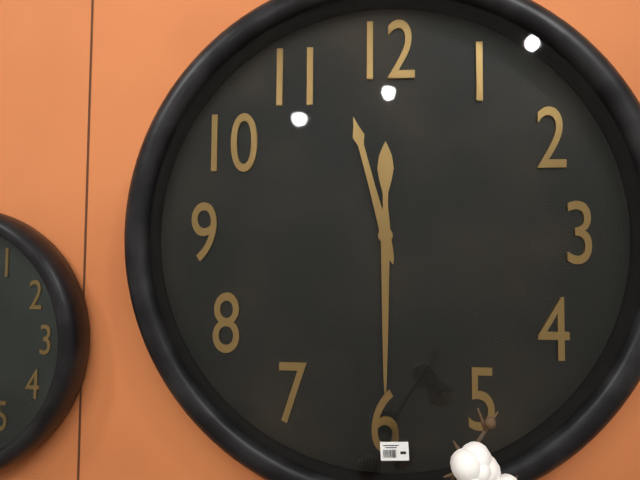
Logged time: 11:30
